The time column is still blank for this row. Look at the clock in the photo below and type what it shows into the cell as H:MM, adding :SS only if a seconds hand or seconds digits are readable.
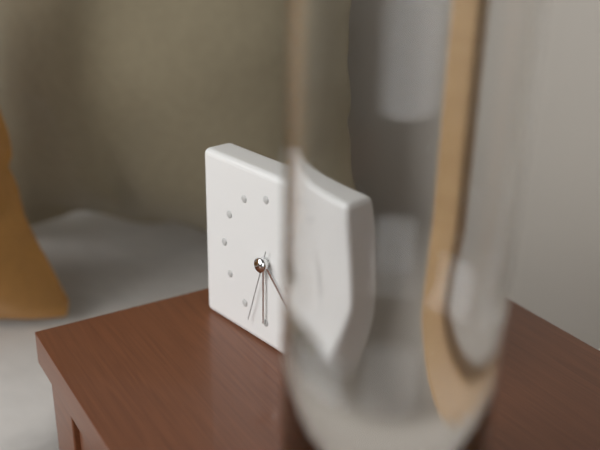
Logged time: 4:30:33
